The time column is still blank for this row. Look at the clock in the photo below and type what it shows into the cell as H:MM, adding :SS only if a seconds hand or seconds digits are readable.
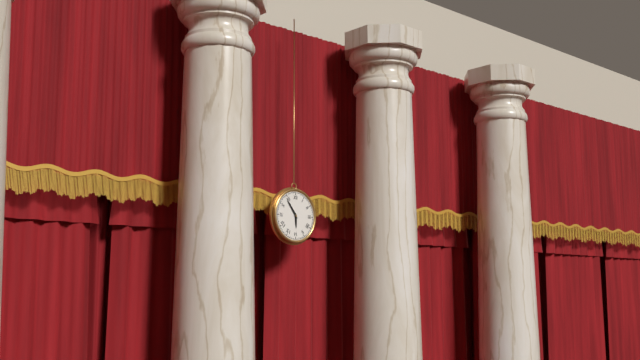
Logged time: 5:54
